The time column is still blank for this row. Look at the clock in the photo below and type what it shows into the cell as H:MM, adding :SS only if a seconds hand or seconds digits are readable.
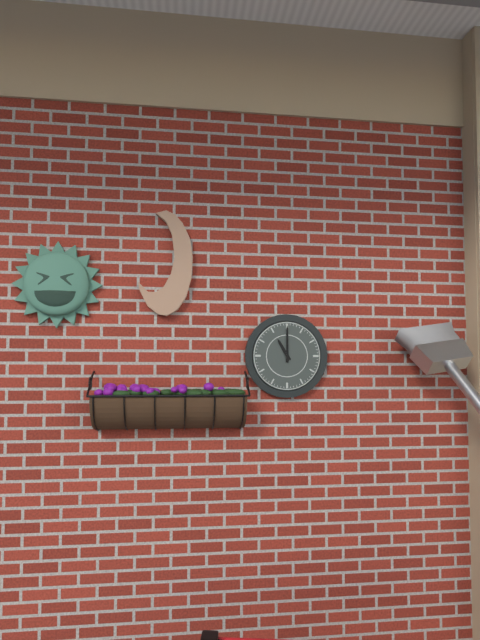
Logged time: 11:00
